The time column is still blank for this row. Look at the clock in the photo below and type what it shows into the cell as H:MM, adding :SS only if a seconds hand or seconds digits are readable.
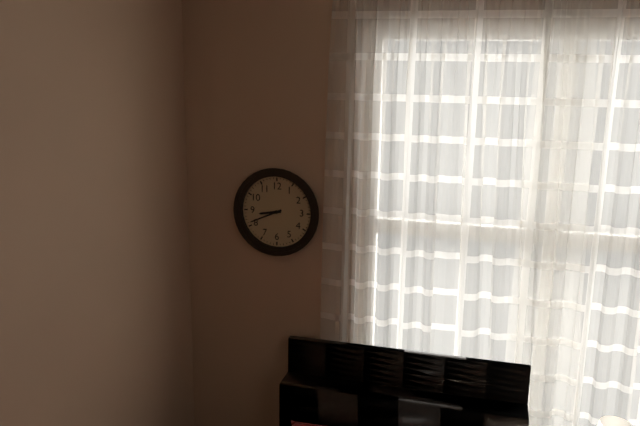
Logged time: 8:41
